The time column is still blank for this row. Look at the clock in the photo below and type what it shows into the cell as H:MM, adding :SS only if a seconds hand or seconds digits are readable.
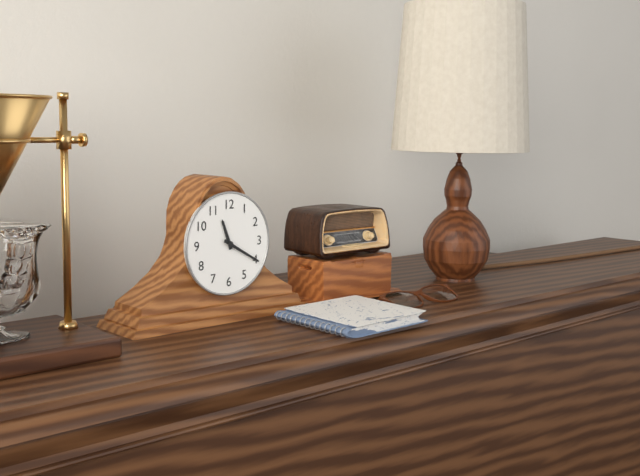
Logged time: 11:20
